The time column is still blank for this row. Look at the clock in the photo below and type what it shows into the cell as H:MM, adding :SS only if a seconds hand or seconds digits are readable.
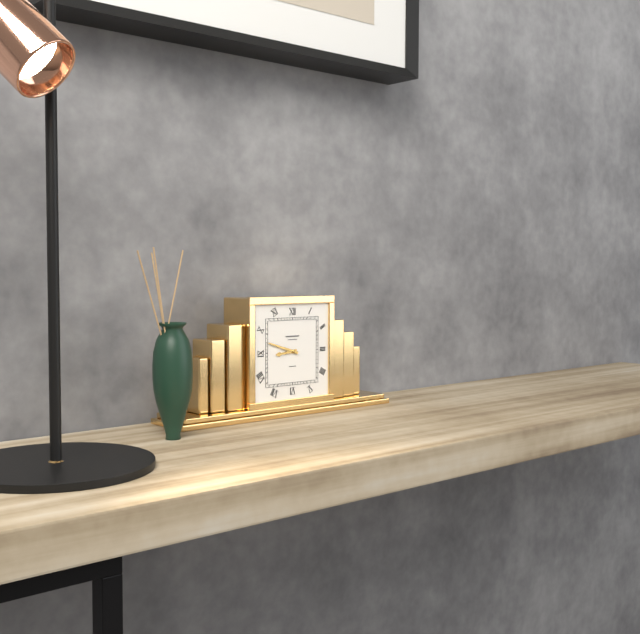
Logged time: 8:48
